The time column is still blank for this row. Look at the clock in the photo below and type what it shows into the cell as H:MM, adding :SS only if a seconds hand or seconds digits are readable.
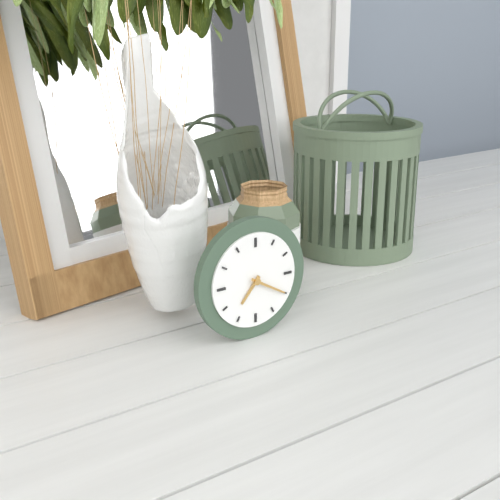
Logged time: 7:20
